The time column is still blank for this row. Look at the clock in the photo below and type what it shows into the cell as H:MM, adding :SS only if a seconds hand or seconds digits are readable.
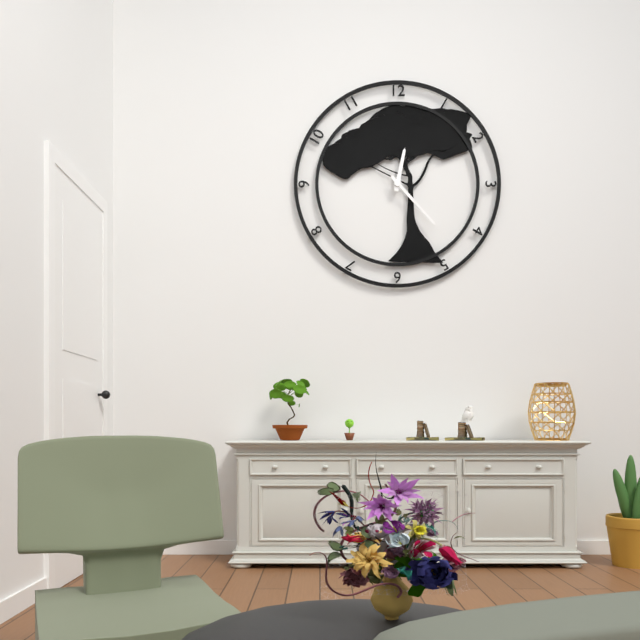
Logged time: 12:23
